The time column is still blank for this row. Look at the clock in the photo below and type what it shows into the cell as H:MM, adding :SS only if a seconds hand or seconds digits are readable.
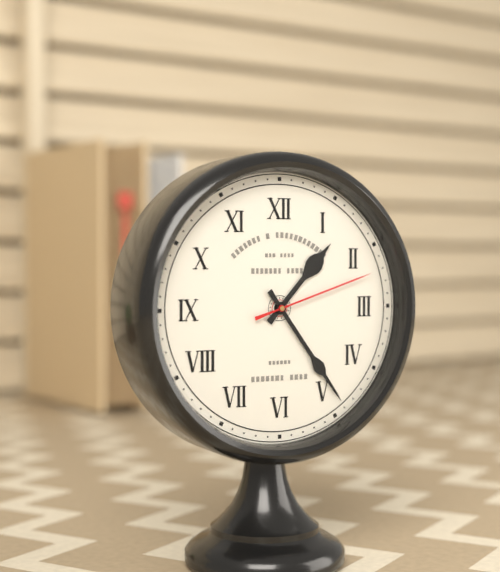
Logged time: 1:24:12
